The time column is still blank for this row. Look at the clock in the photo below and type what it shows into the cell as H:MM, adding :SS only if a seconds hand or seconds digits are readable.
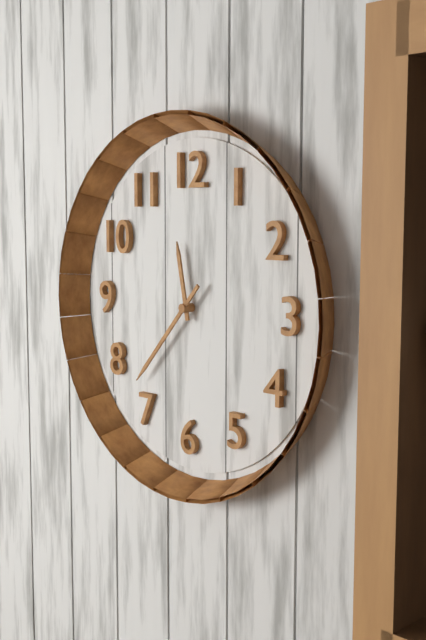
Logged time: 11:37
